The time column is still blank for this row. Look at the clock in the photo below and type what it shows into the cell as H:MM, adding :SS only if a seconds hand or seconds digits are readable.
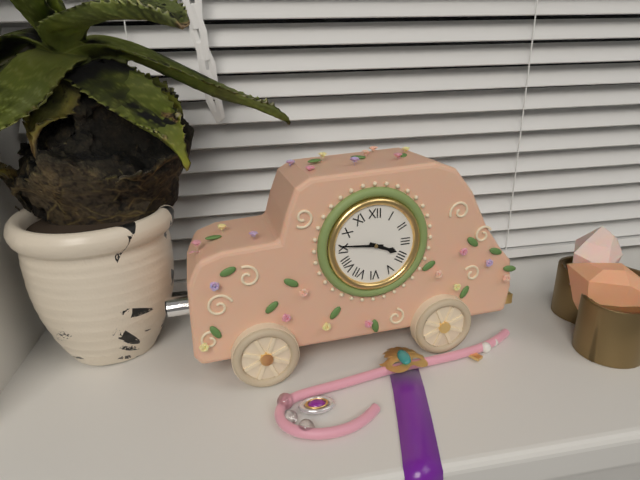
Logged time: 3:46
